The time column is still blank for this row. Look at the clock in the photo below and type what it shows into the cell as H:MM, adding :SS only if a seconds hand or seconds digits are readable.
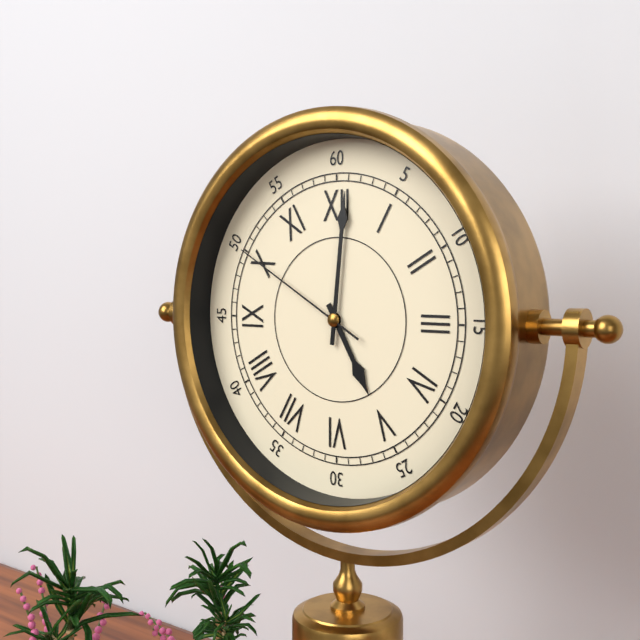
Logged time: 5:01:50
